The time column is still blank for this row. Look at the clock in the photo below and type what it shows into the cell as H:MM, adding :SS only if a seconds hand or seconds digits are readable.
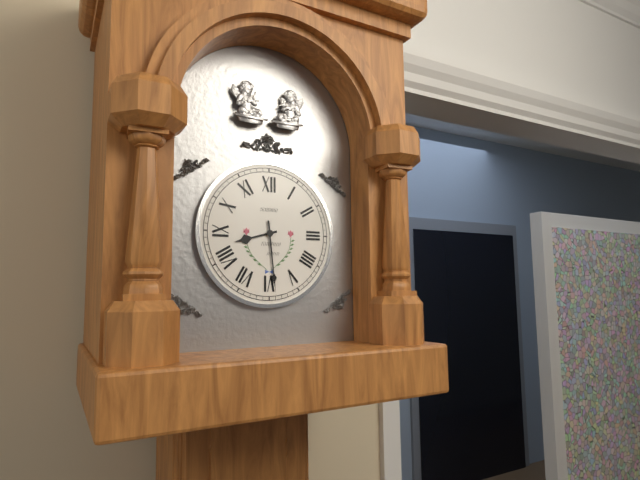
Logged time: 8:29
